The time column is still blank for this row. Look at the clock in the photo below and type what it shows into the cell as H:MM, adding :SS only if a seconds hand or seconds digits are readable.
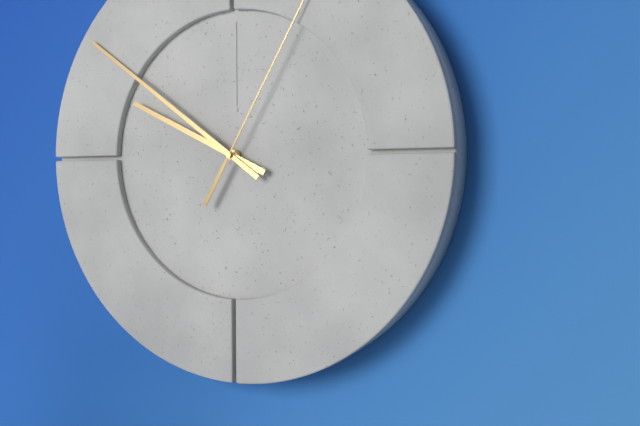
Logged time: 9:51
